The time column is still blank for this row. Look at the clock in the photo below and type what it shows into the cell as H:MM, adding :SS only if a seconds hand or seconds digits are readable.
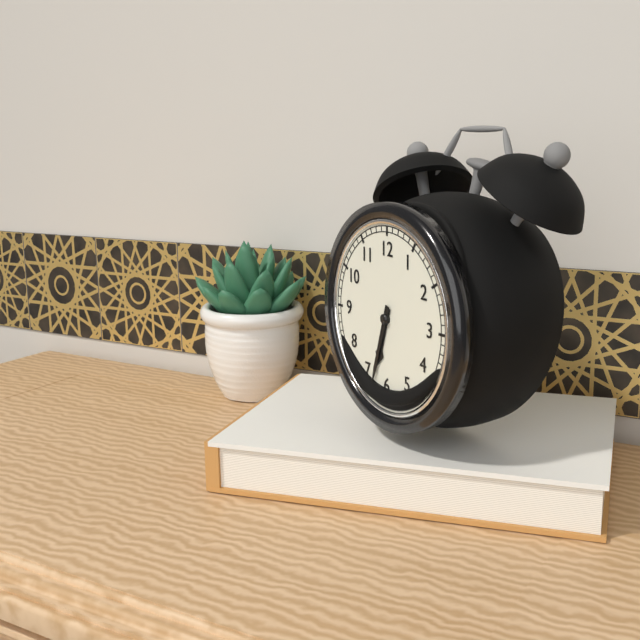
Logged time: 6:33
